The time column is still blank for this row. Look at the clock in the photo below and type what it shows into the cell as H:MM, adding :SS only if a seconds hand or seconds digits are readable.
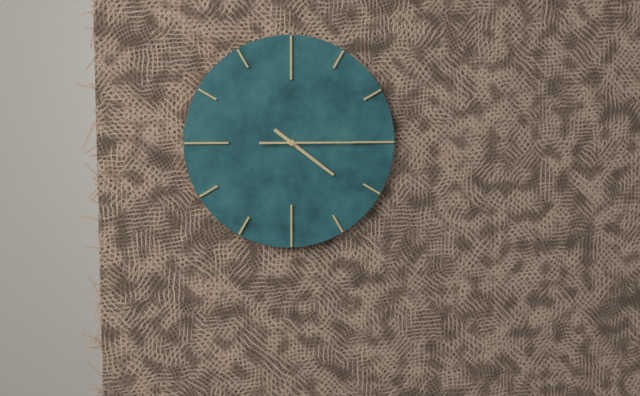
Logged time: 4:15
